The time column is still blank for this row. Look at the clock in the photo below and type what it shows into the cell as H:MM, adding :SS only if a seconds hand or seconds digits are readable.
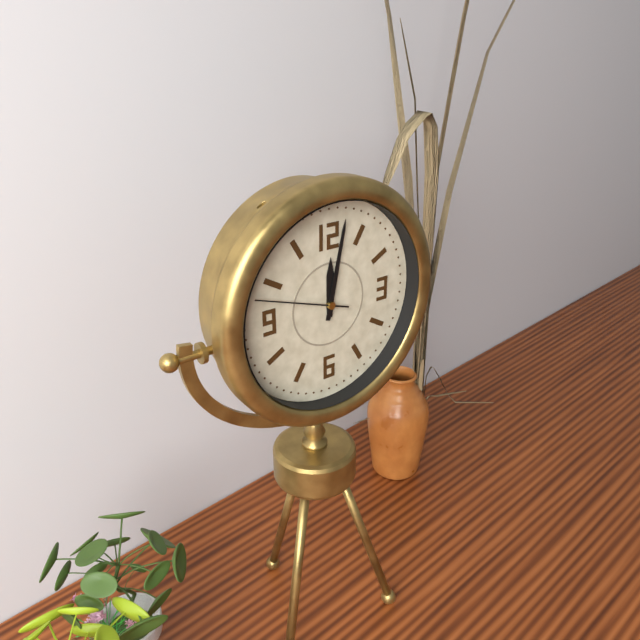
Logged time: 12:02:48
